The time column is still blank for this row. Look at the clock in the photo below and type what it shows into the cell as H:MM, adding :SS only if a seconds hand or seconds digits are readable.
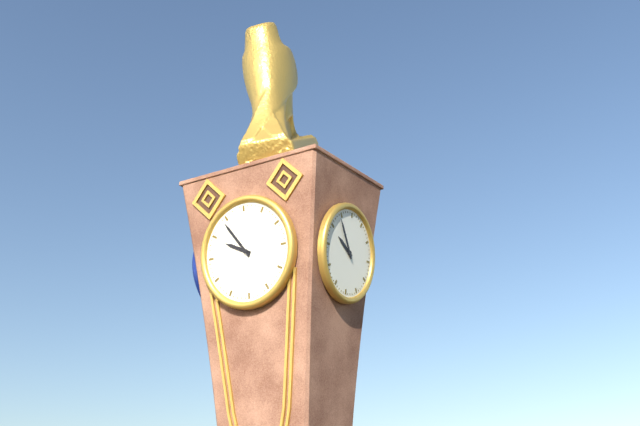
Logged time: 9:54
